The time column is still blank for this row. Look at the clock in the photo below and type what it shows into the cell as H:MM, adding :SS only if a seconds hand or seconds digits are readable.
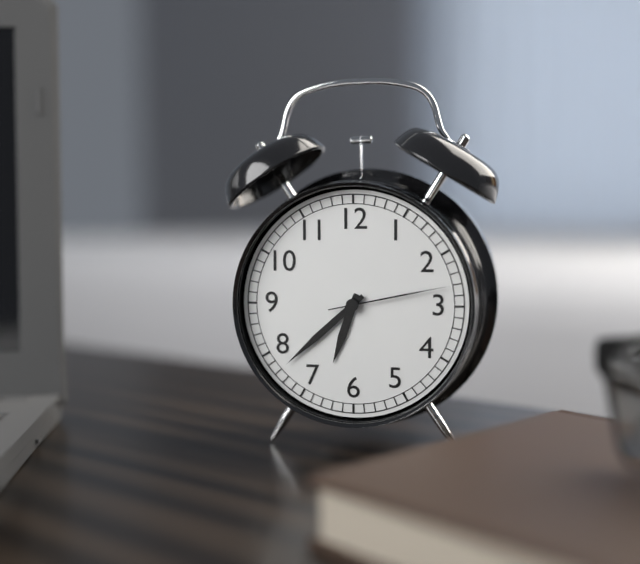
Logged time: 6:38:13
